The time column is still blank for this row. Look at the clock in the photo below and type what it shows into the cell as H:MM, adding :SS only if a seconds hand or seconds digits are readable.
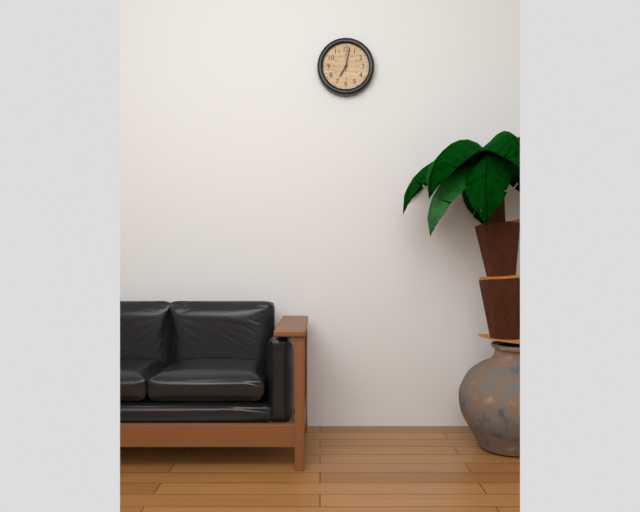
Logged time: 7:02
